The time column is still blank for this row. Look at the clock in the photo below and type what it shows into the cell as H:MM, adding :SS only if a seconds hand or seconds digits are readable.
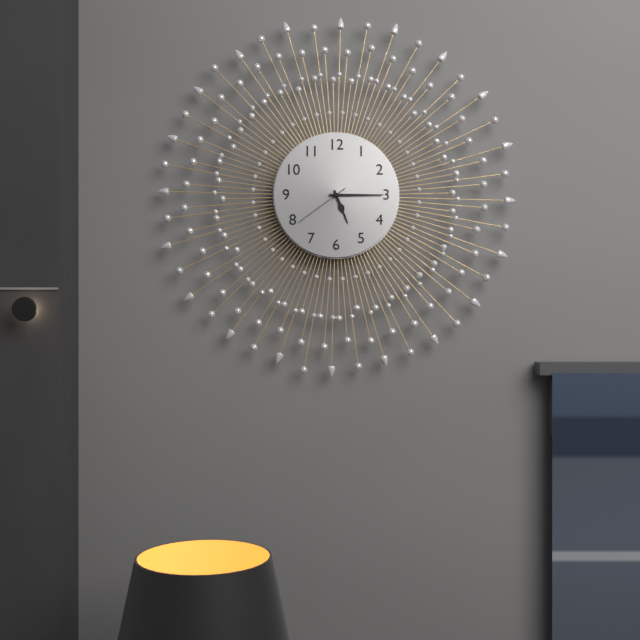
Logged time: 5:15:39
